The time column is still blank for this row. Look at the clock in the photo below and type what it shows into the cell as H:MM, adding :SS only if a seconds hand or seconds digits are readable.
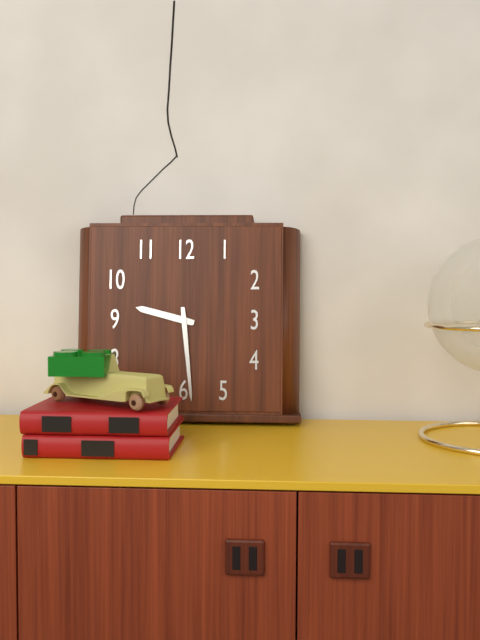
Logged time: 9:29
